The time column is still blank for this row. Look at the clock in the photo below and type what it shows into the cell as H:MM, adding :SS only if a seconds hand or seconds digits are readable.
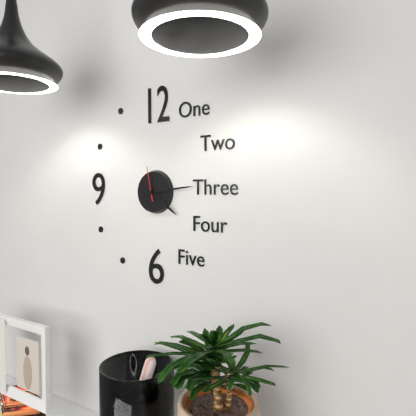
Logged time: 4:14
